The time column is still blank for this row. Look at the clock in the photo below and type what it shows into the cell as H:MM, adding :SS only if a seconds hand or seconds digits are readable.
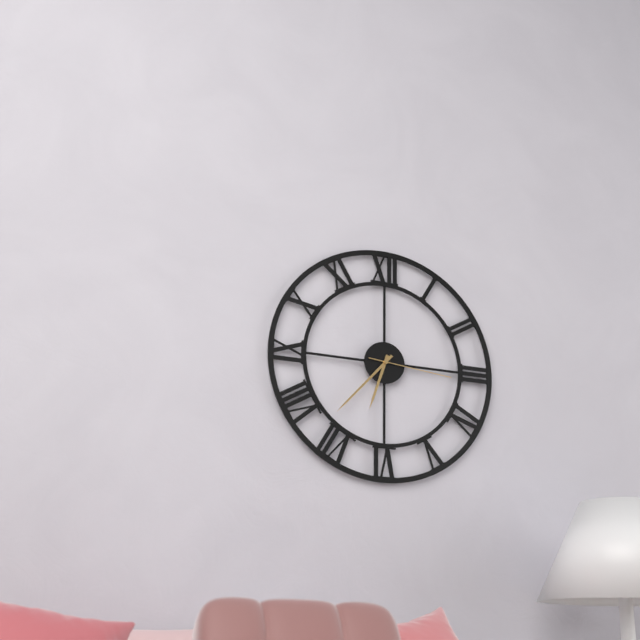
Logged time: 6:37:16
